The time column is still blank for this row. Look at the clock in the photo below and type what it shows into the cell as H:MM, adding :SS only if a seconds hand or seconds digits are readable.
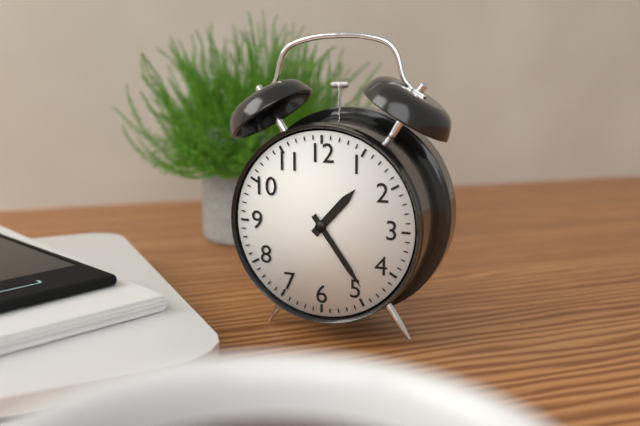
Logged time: 1:24
